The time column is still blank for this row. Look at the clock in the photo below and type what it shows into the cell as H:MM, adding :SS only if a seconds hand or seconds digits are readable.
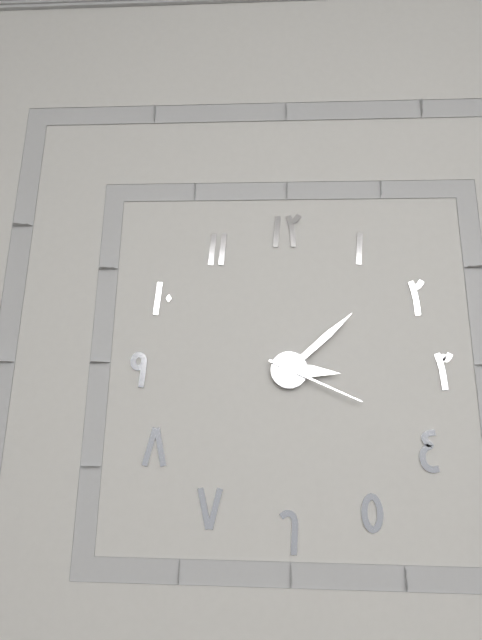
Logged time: 3:08:19
